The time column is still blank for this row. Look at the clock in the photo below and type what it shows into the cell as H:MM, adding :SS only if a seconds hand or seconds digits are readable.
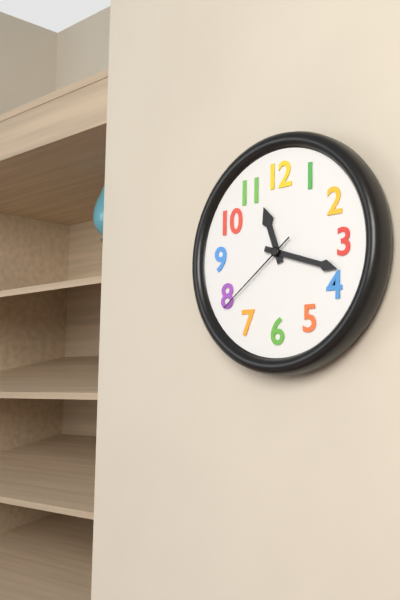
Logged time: 11:18:39
